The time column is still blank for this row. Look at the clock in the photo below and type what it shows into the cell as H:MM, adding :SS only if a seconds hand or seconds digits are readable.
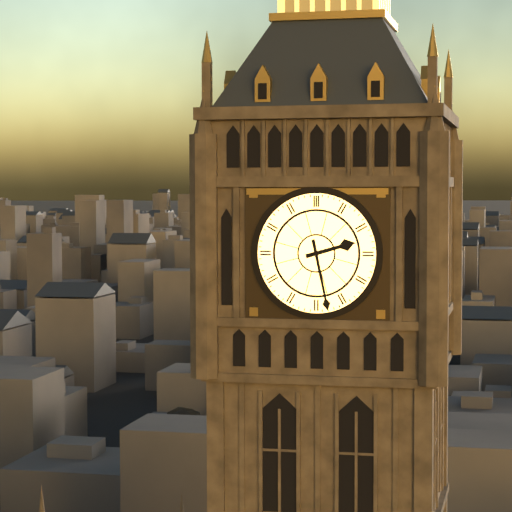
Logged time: 2:28
